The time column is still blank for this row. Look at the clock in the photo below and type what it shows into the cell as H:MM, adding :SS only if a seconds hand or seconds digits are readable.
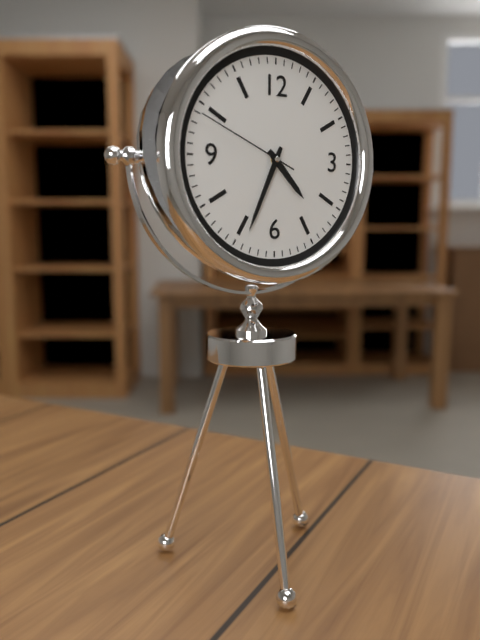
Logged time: 4:34:49
